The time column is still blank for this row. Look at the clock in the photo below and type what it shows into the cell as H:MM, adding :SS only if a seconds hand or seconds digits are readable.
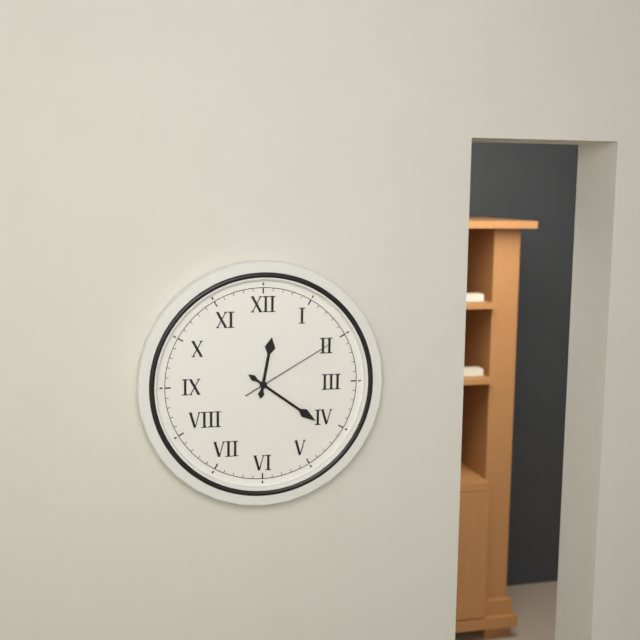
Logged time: 12:21:10
